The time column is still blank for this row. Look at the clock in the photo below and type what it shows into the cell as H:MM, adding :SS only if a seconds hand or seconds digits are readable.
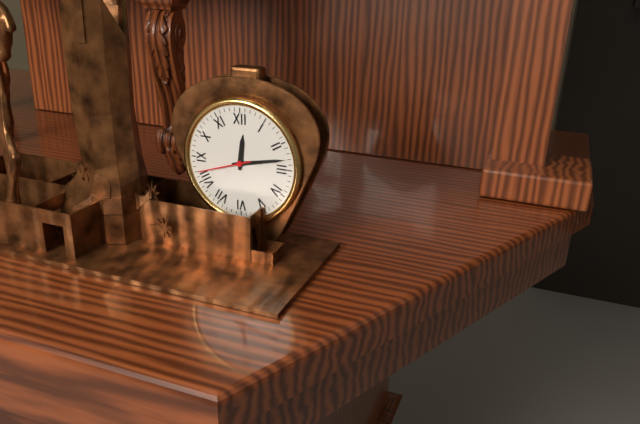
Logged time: 12:13:42
